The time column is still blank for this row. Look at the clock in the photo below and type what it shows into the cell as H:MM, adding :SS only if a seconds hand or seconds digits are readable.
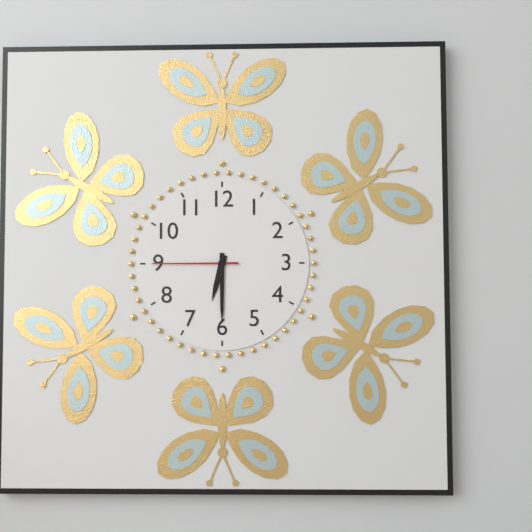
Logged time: 6:30:45
